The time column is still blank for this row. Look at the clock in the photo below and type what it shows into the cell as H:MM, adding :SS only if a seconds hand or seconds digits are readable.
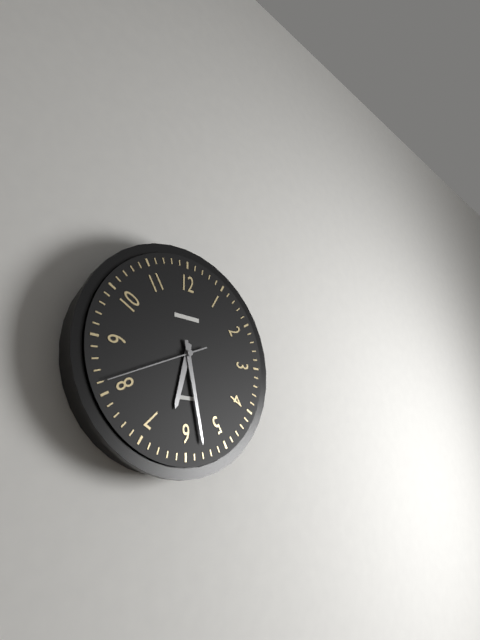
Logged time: 6:28:41
